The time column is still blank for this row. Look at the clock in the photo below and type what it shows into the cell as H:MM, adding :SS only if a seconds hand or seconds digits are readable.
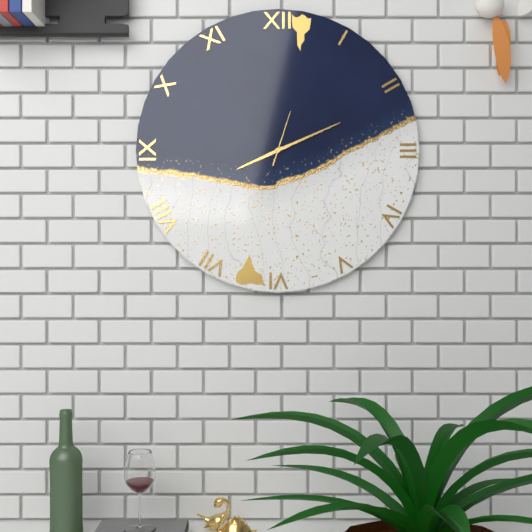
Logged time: 8:11:03
